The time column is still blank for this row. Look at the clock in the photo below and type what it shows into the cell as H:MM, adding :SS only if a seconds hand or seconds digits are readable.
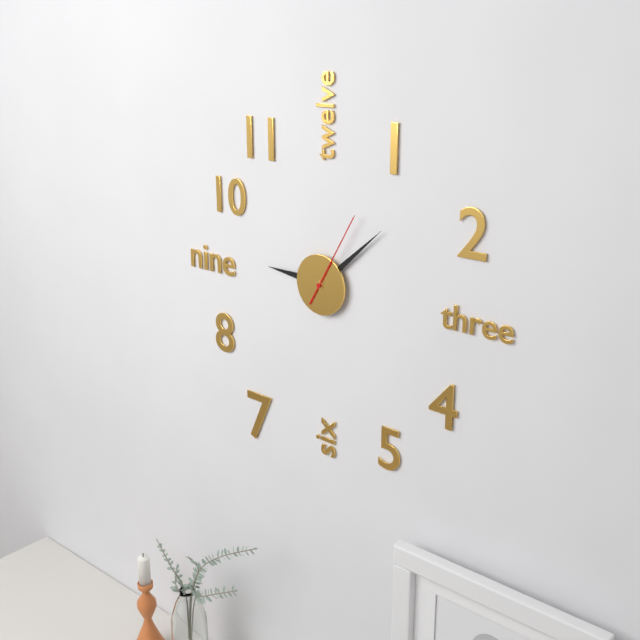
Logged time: 9:08:05
